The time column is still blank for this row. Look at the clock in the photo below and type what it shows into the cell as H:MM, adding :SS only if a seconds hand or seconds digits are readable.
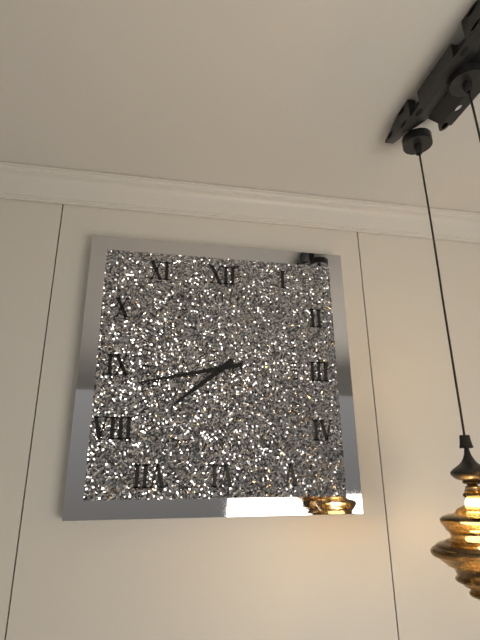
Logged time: 7:43
